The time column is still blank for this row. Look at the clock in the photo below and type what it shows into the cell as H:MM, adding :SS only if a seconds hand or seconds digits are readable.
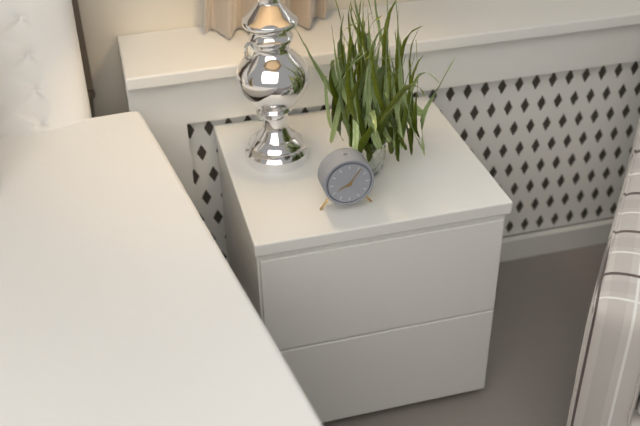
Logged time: 8:06
